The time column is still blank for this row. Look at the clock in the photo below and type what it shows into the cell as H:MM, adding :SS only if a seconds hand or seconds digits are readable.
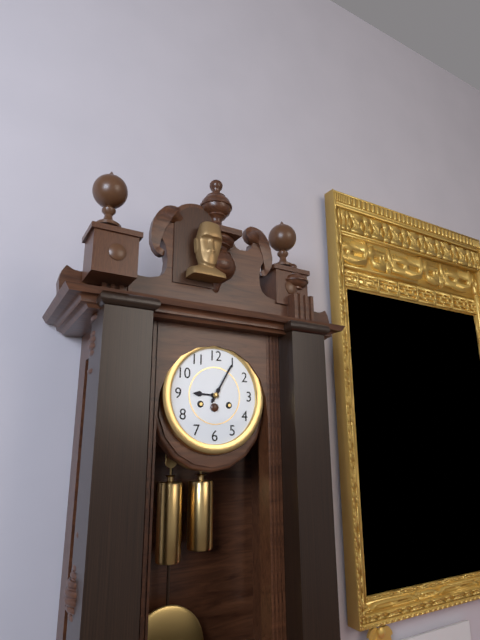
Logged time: 9:05
